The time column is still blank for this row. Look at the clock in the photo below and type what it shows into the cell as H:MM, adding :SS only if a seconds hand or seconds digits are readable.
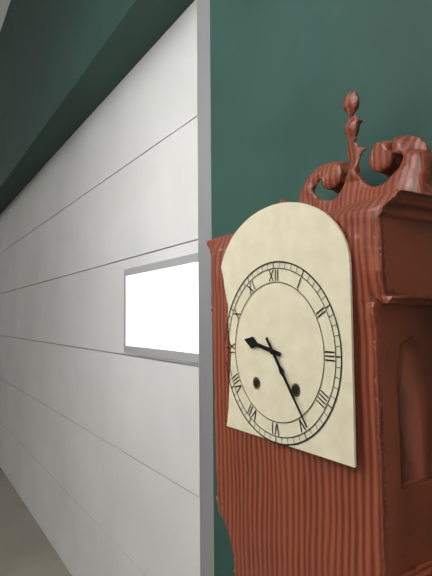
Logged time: 9:24
